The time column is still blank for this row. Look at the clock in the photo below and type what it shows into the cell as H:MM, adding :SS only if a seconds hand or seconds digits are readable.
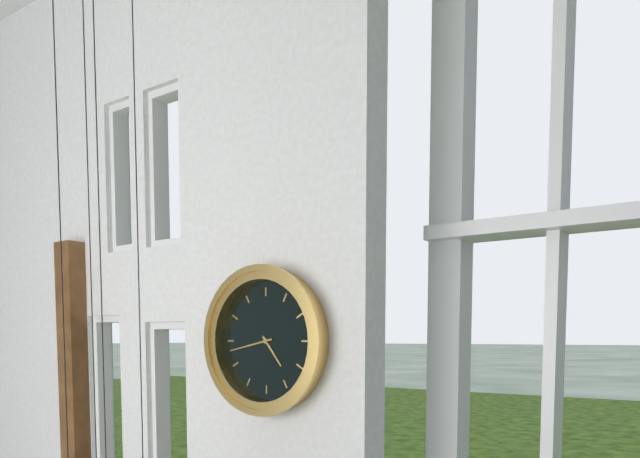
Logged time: 4:43
